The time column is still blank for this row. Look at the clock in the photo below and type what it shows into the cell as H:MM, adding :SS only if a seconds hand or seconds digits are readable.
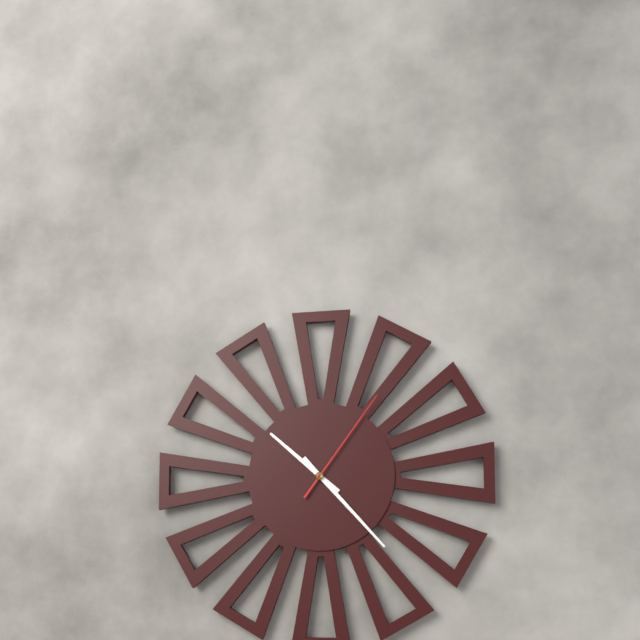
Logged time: 10:23:06
